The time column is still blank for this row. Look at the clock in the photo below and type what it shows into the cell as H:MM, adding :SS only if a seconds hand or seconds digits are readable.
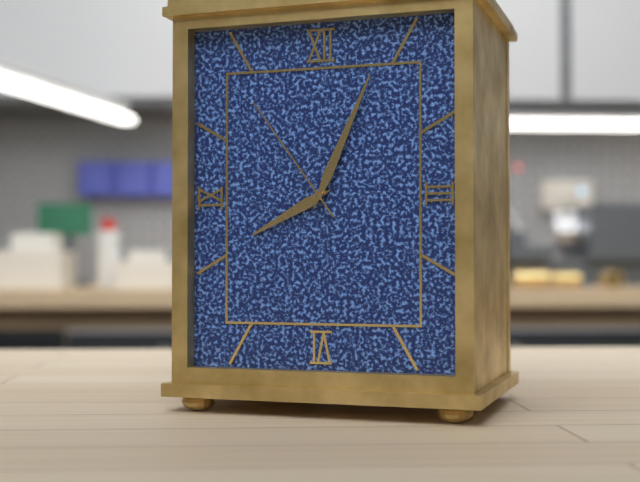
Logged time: 8:04:54
